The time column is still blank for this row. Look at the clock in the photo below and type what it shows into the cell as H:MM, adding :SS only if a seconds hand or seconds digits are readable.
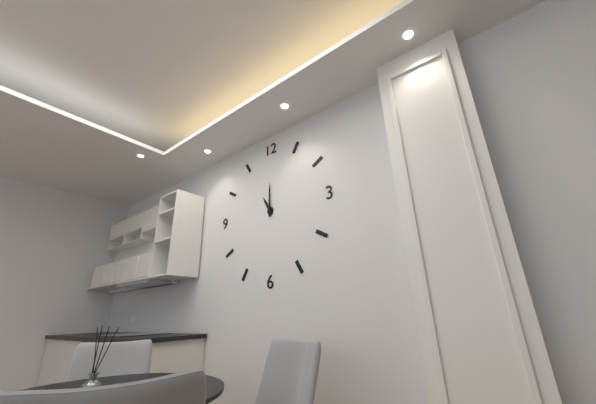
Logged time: 11:00
